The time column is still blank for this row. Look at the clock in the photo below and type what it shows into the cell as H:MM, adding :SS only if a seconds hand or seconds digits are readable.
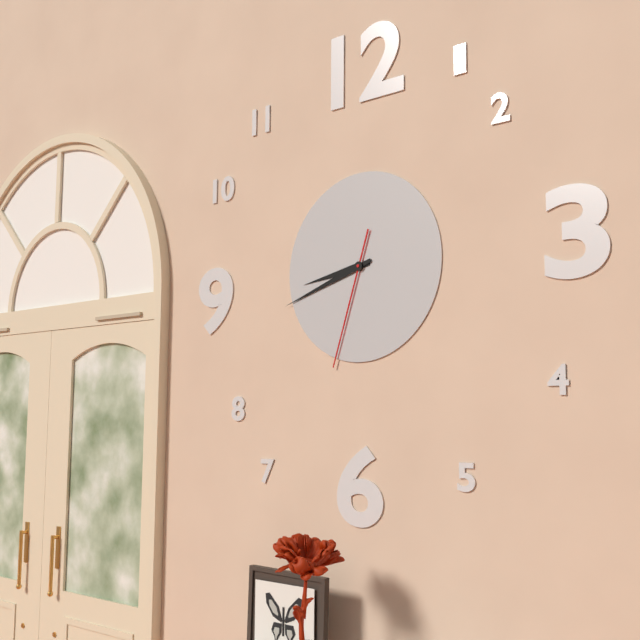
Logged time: 8:42:33
